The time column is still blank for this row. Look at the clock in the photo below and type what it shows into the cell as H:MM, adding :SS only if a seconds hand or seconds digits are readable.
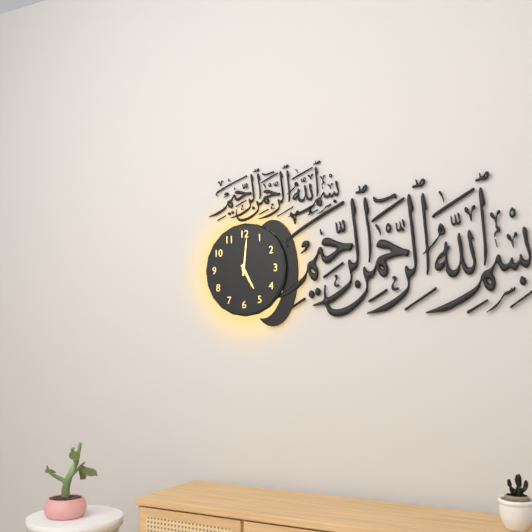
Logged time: 5:01
